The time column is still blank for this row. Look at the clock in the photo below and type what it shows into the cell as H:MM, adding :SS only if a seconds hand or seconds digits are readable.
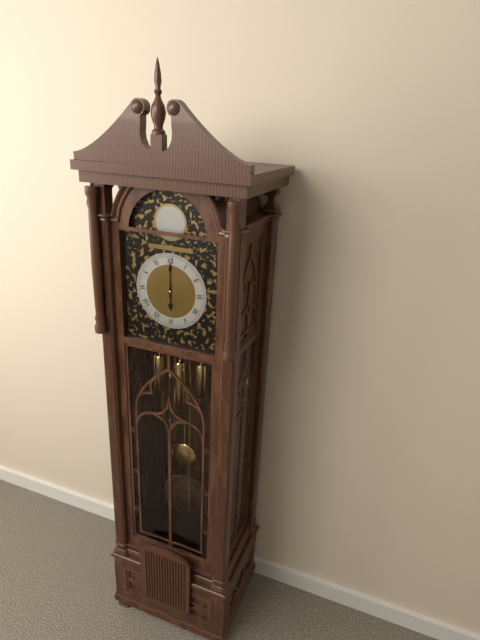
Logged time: 6:00
